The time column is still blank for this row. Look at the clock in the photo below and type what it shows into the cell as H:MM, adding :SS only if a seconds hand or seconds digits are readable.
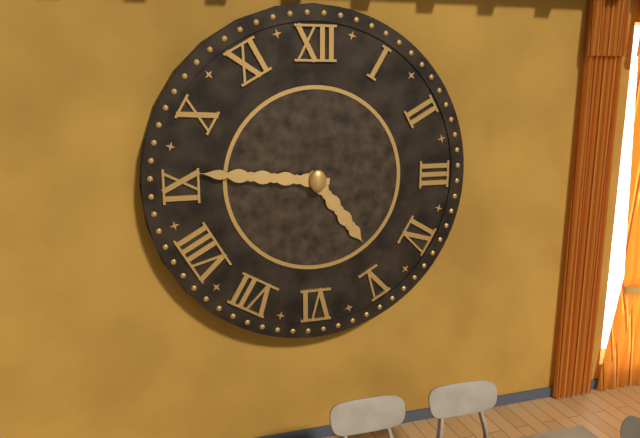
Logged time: 4:46
